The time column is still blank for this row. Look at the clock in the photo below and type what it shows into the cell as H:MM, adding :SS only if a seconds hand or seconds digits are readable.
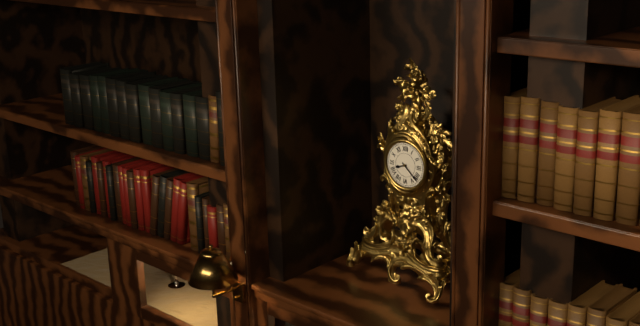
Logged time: 8:22
